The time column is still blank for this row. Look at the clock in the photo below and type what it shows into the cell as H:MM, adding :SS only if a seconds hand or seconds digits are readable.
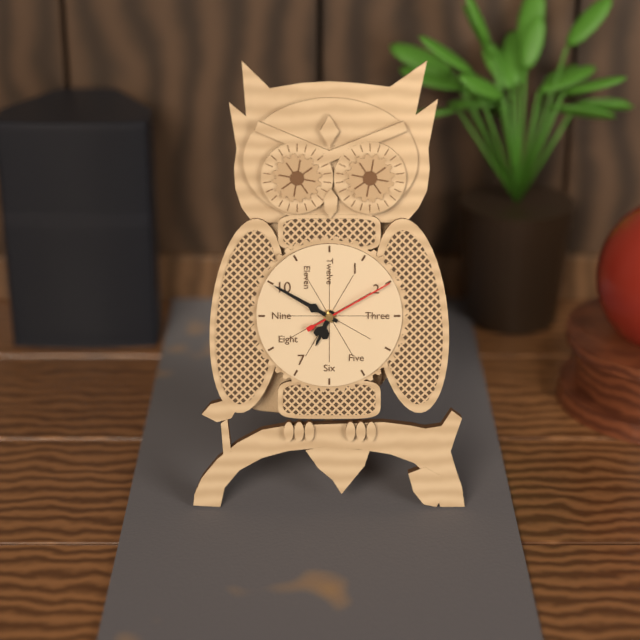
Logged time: 6:50:10
